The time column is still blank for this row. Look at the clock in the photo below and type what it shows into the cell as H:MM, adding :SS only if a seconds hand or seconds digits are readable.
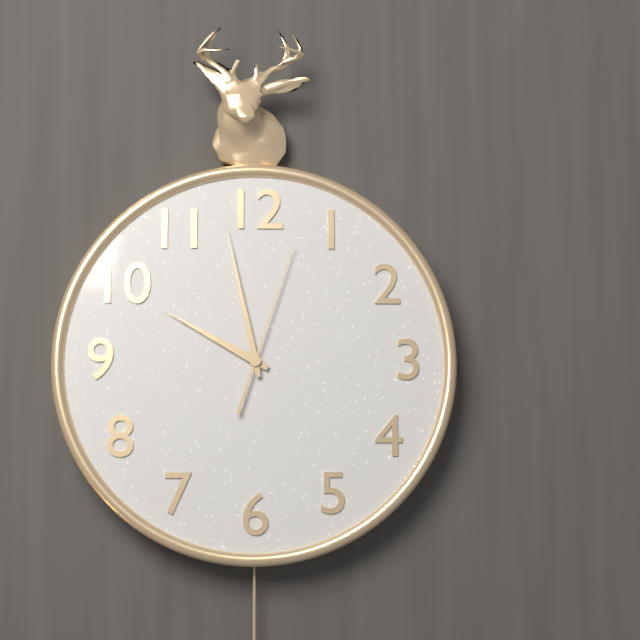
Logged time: 9:58:03
